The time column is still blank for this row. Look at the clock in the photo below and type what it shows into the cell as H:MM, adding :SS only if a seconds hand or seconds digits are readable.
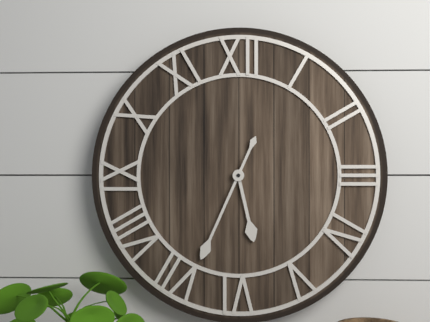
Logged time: 5:34
